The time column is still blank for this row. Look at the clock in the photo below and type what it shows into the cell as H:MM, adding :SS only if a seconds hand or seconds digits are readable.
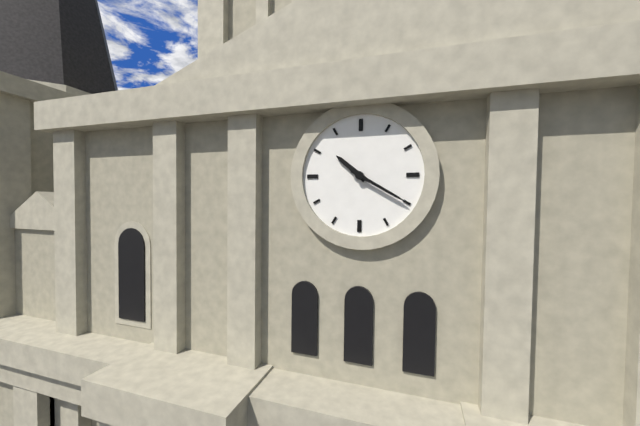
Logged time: 10:20
